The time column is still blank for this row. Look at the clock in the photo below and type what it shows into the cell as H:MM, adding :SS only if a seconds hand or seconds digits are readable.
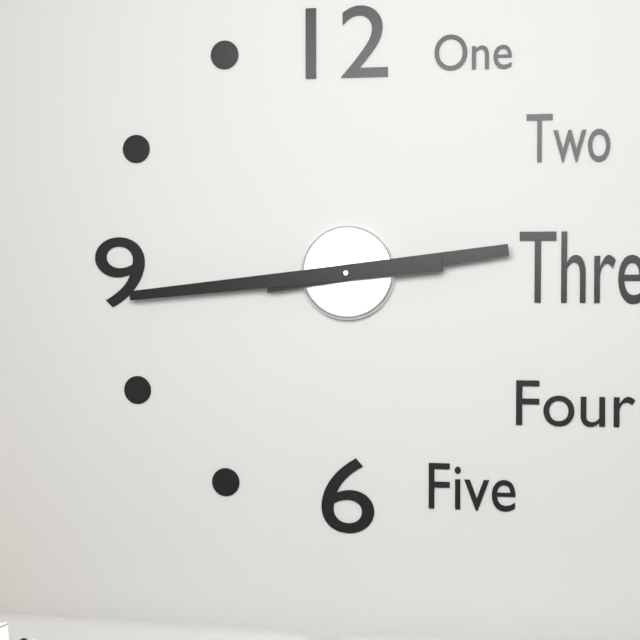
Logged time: 2:44
